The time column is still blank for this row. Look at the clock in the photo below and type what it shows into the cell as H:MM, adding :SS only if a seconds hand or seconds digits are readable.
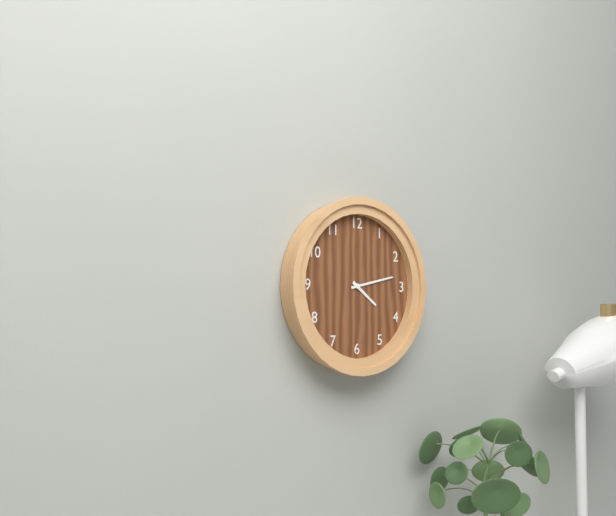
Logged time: 4:13
